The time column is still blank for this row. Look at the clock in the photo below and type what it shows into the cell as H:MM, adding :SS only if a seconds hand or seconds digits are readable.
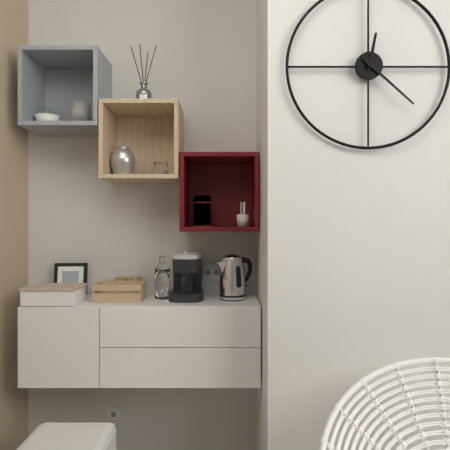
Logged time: 12:22
